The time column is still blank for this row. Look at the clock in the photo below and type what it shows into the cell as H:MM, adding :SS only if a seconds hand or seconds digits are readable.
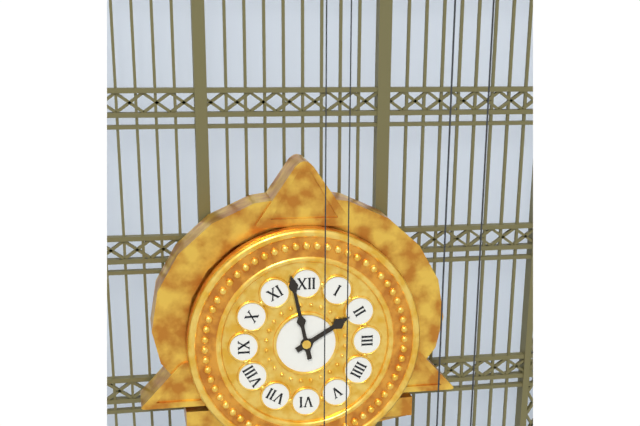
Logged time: 1:58
